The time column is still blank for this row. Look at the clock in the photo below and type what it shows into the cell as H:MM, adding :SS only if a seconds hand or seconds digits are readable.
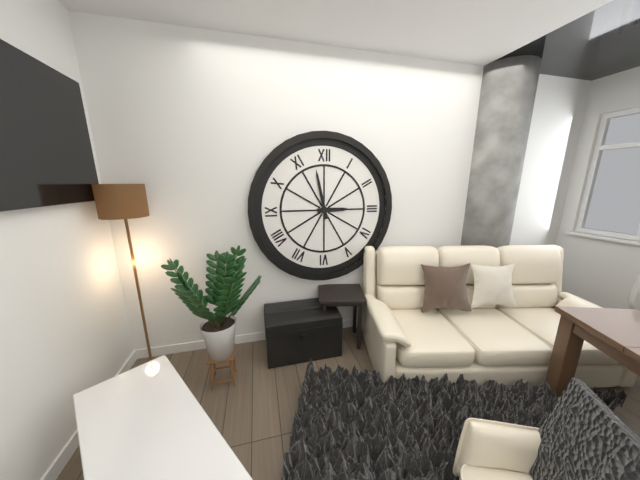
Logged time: 2:58
